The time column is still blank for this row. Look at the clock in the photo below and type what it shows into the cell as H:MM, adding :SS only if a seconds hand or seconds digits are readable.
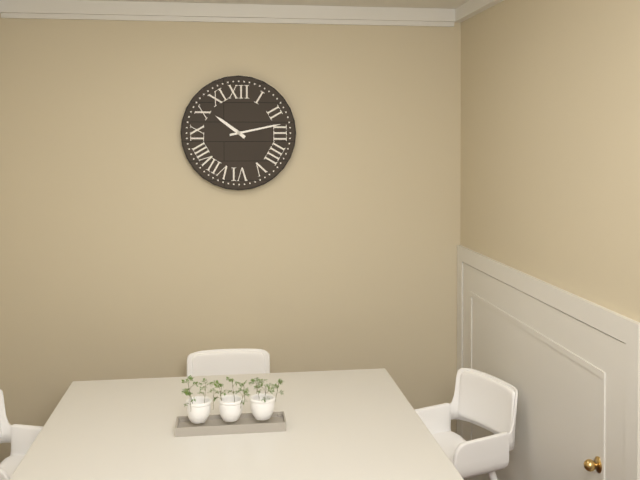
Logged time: 10:13
